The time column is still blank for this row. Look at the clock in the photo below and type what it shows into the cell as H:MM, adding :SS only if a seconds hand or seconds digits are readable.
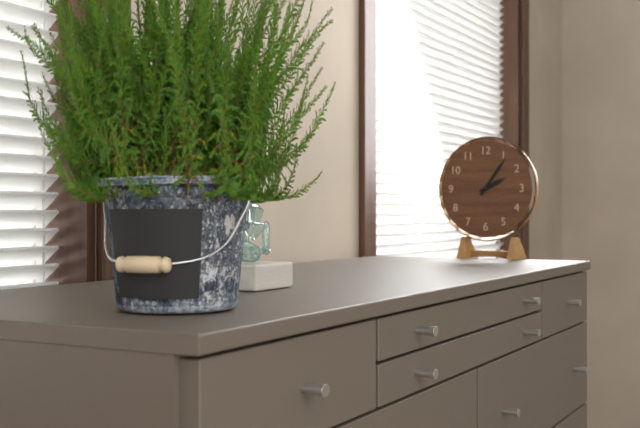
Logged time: 2:06
